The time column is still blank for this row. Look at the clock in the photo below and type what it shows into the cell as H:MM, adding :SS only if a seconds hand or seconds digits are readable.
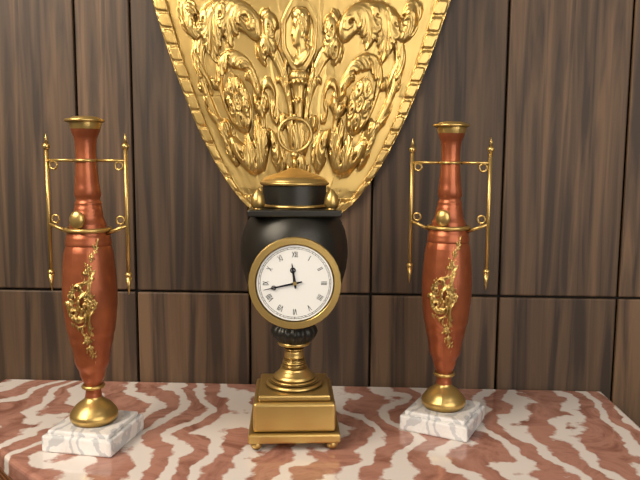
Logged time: 11:43
